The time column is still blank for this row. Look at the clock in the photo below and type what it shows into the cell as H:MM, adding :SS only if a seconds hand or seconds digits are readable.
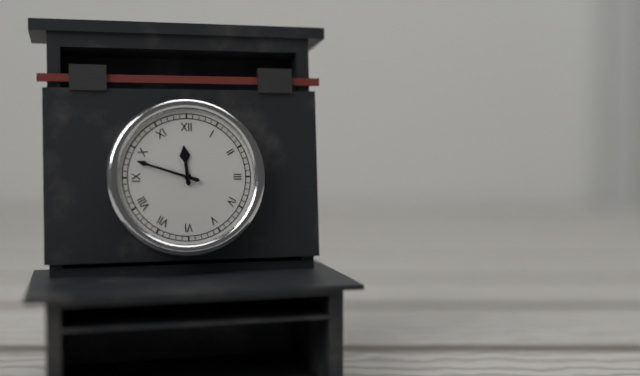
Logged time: 11:48
